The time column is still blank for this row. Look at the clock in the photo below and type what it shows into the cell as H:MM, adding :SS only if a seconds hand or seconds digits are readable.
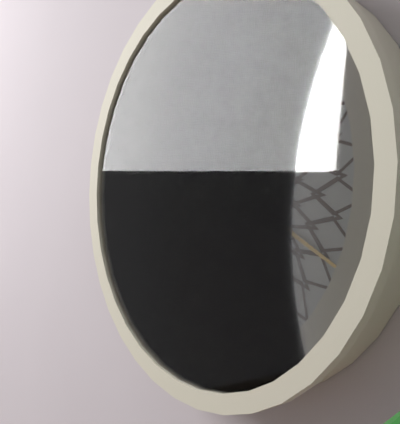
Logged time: 6:20:03
